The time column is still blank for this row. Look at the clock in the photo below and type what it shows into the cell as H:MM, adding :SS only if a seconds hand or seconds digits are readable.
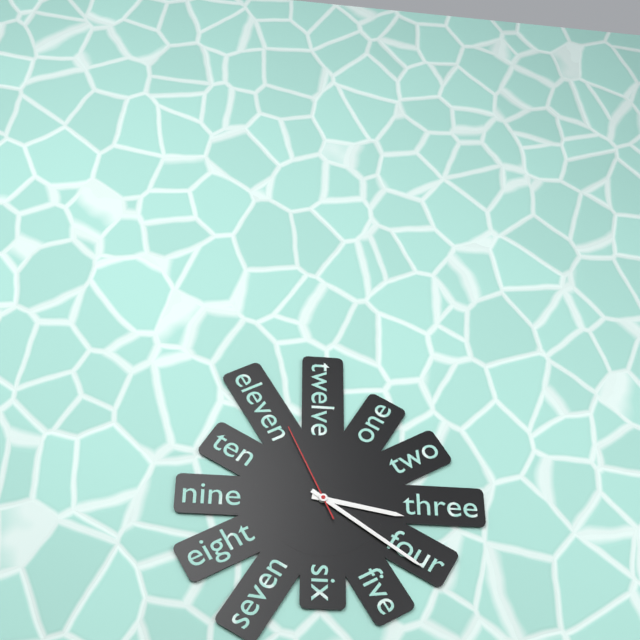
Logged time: 3:21:56
